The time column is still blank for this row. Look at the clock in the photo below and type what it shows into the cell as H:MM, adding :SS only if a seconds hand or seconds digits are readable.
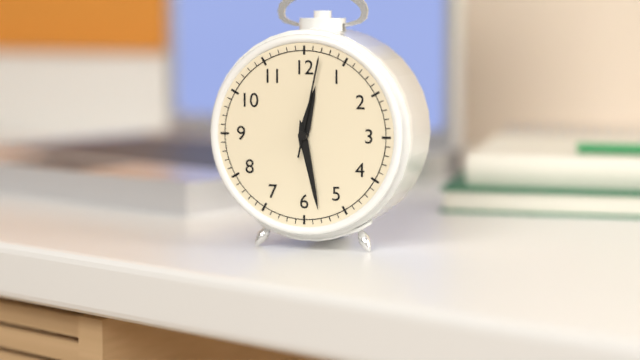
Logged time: 12:28:02
